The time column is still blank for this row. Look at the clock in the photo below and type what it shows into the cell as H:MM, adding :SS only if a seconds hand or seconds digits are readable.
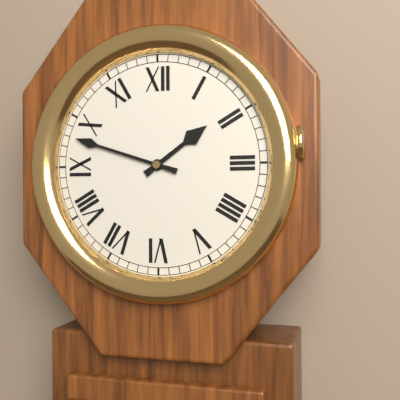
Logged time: 1:48
